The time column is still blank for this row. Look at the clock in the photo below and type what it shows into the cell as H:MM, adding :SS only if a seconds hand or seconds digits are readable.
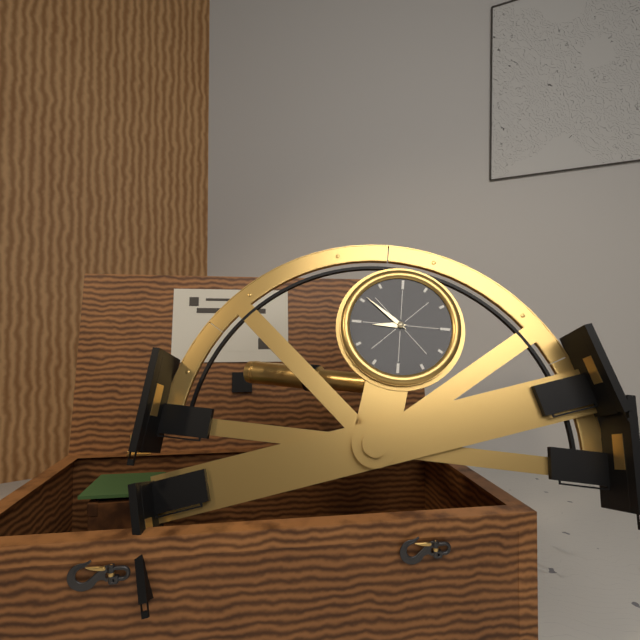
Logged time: 8:51
